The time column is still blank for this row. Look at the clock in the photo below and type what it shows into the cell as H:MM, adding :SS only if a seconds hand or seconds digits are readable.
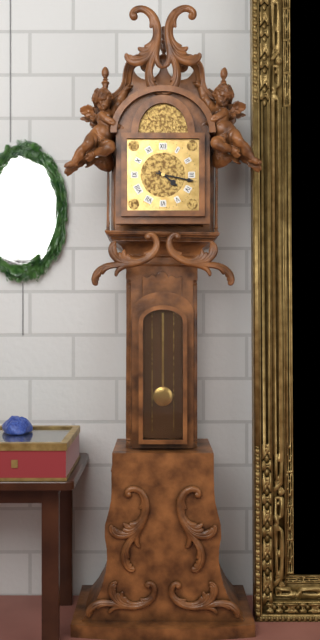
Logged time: 4:17
